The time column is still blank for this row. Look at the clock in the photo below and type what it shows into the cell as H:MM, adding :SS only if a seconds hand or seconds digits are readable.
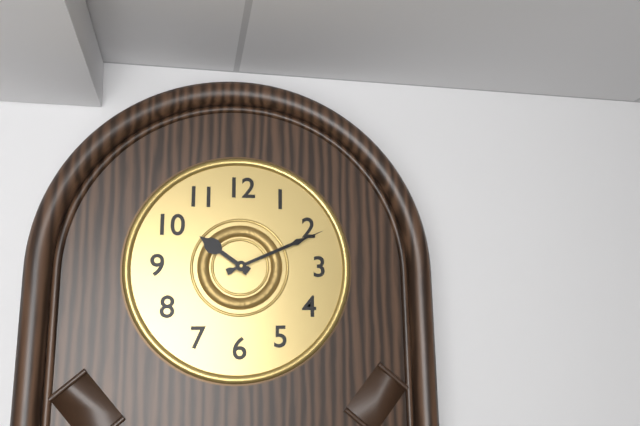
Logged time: 10:11
